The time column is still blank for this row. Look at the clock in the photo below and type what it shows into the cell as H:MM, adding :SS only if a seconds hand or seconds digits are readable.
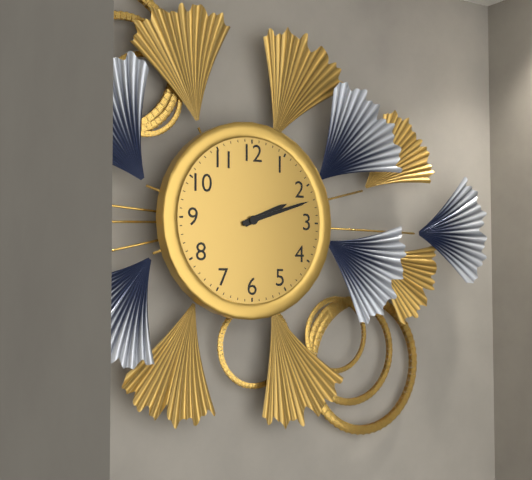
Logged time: 2:12
